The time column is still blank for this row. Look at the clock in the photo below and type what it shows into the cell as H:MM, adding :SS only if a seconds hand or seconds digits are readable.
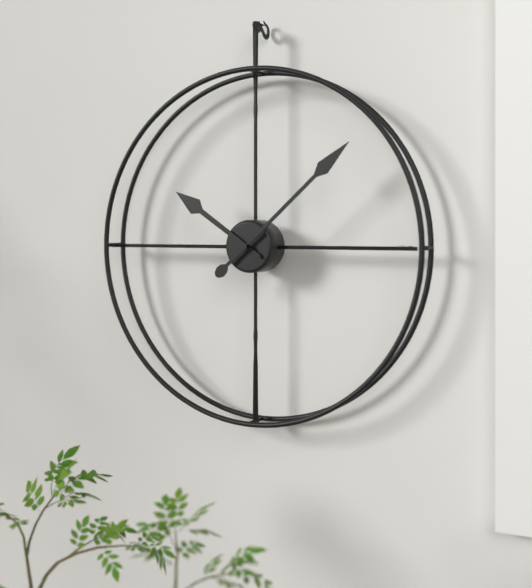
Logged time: 10:08
